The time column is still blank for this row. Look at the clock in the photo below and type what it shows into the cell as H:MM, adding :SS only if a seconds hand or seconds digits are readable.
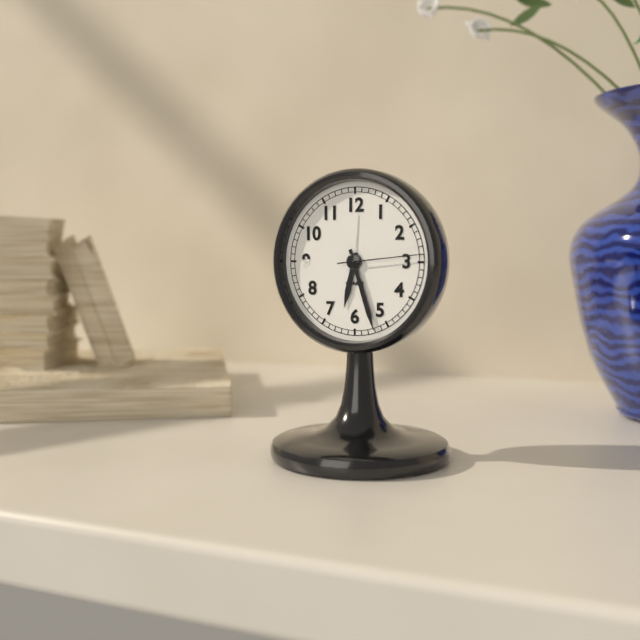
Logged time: 6:27:14
